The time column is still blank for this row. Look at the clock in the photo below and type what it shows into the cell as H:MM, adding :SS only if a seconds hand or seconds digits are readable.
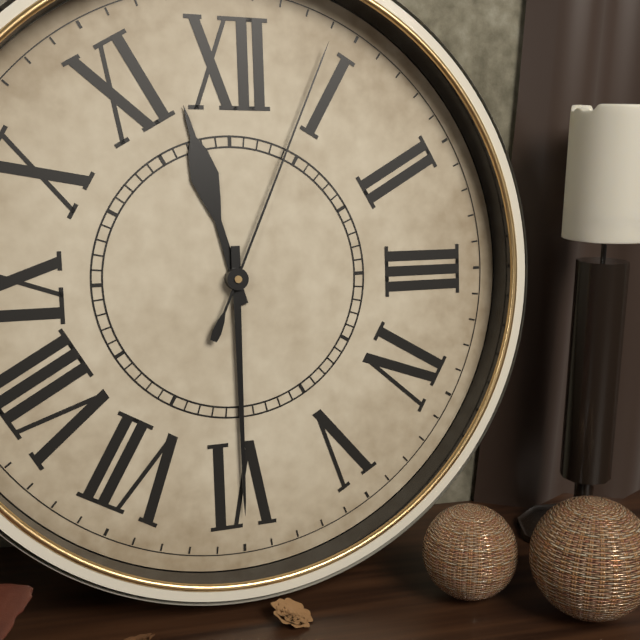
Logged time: 11:30:04
